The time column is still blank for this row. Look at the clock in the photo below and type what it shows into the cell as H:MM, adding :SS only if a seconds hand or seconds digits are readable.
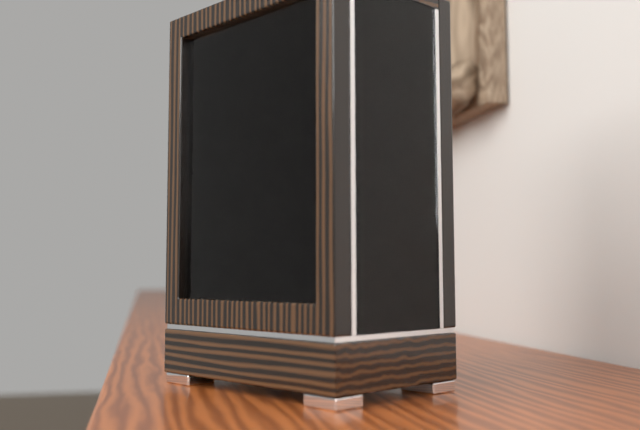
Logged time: 11:41
